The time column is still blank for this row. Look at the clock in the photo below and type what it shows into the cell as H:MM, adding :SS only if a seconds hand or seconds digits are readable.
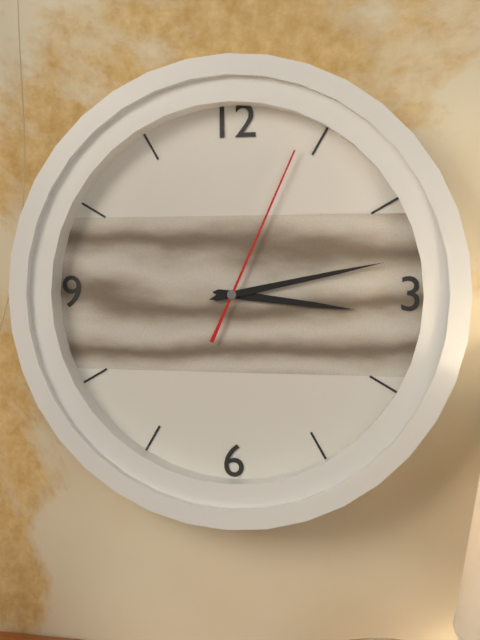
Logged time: 3:13:04
